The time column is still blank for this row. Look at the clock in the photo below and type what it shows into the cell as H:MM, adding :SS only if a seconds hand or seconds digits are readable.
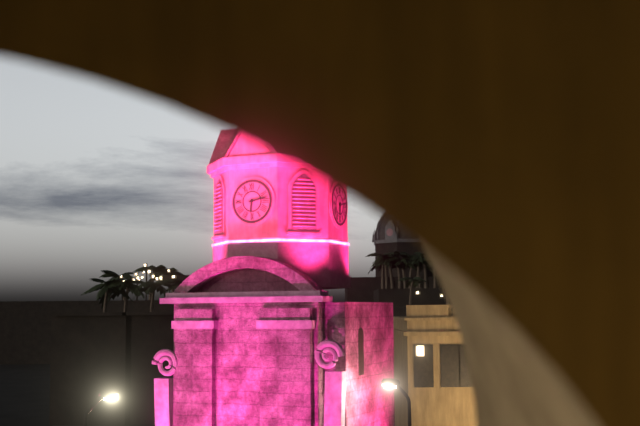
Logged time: 6:13
